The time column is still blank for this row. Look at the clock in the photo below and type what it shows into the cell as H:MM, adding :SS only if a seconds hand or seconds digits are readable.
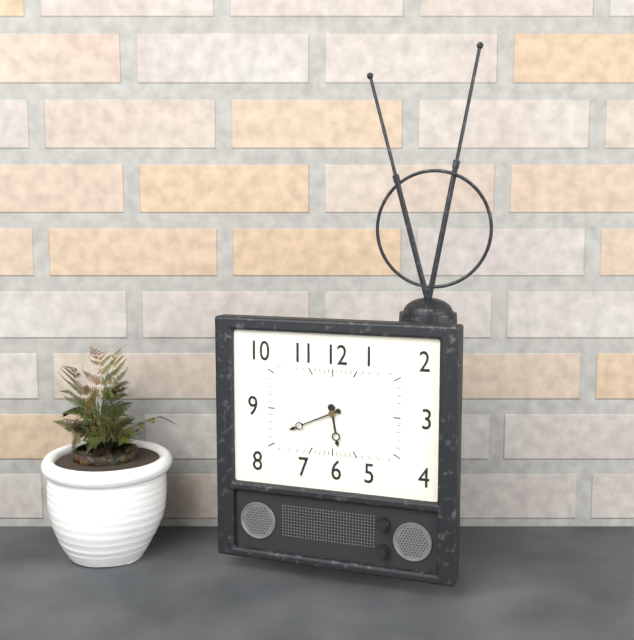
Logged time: 5:41
